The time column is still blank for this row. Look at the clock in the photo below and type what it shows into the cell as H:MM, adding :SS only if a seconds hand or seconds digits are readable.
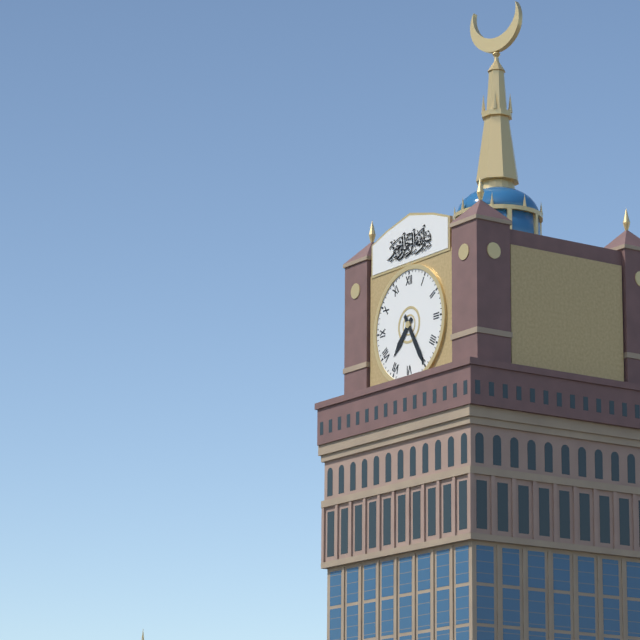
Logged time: 7:25
